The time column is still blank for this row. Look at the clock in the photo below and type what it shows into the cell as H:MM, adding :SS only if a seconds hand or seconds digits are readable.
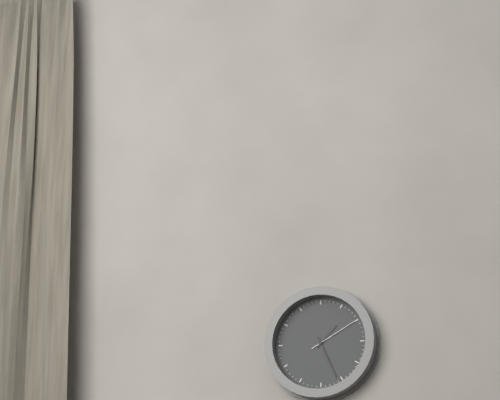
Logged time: 1:26:10
